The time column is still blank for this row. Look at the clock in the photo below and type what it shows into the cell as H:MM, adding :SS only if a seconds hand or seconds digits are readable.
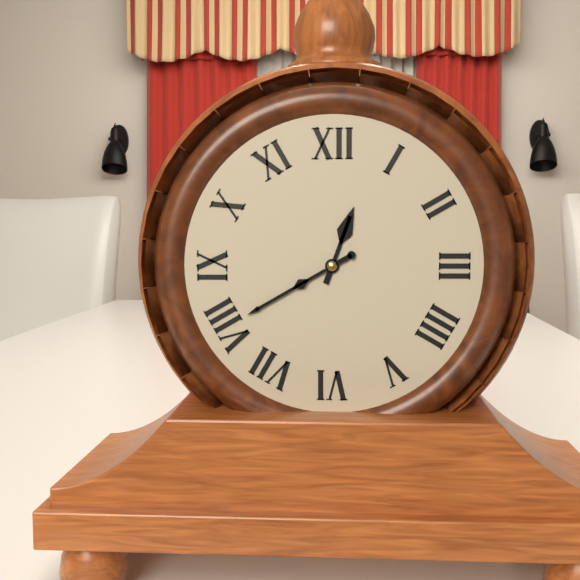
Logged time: 12:40
